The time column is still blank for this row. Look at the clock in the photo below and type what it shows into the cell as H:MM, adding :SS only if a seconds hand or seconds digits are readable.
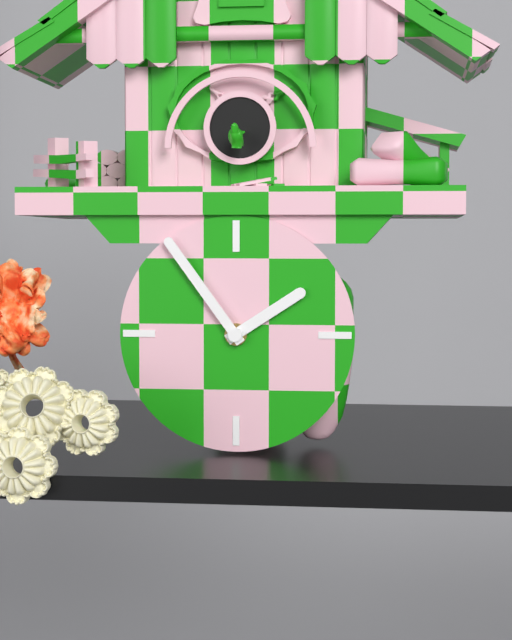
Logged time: 1:54
